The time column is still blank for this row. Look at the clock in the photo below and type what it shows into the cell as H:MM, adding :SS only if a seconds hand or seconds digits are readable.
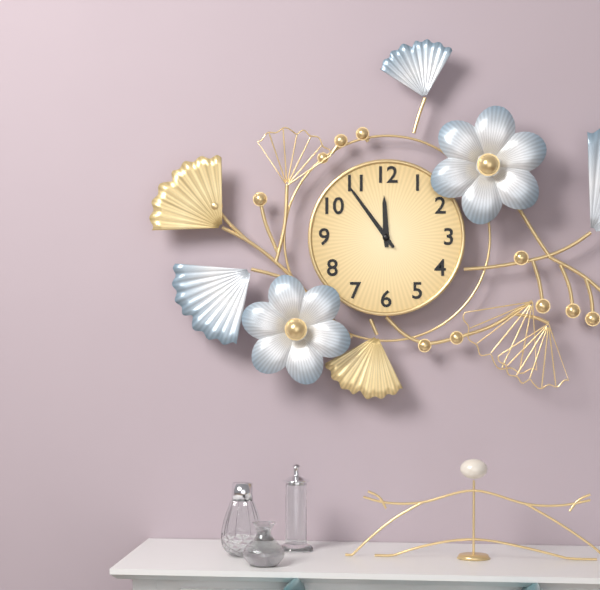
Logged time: 11:54
